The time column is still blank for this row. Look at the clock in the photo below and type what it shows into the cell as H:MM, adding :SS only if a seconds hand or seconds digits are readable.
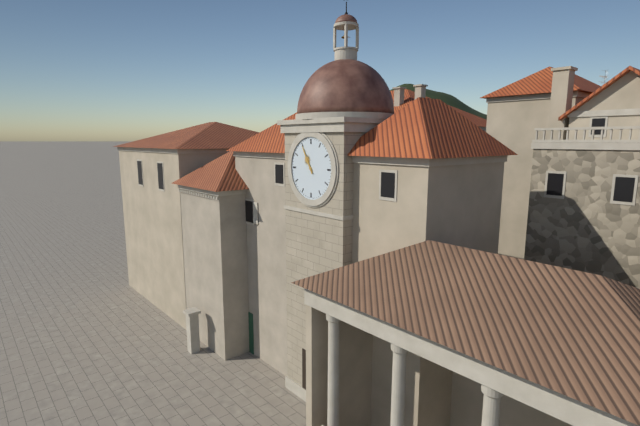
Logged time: 10:55
